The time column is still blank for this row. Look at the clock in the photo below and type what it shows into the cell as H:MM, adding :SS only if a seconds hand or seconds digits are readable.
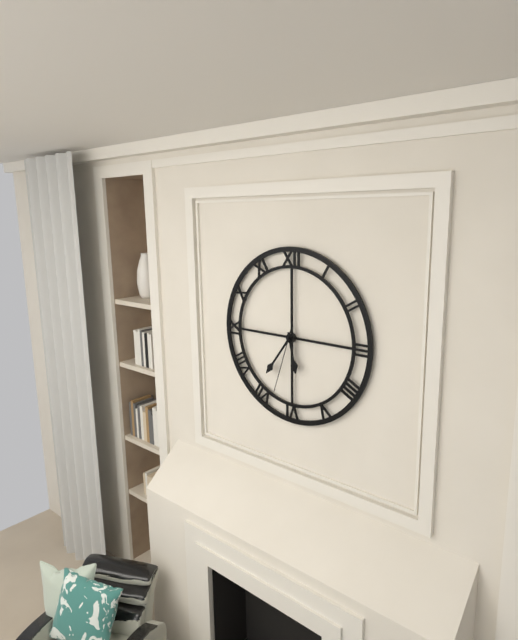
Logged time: 5:36:33
